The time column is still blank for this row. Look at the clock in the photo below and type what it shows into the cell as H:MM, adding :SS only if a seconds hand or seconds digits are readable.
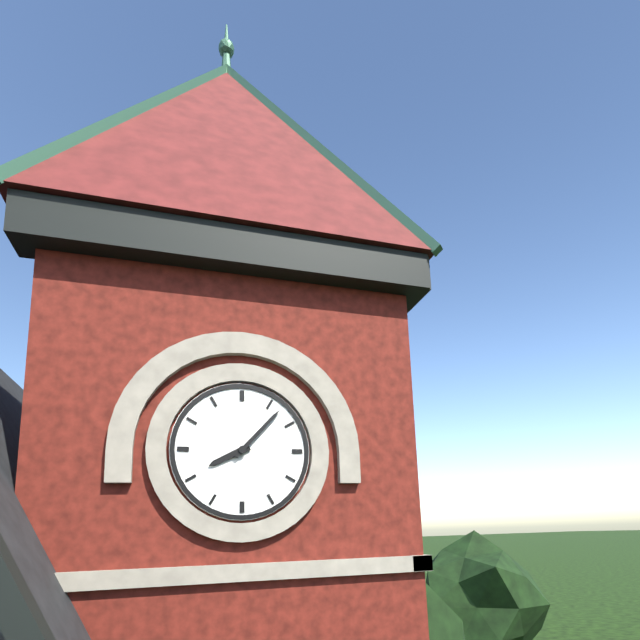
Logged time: 8:07
